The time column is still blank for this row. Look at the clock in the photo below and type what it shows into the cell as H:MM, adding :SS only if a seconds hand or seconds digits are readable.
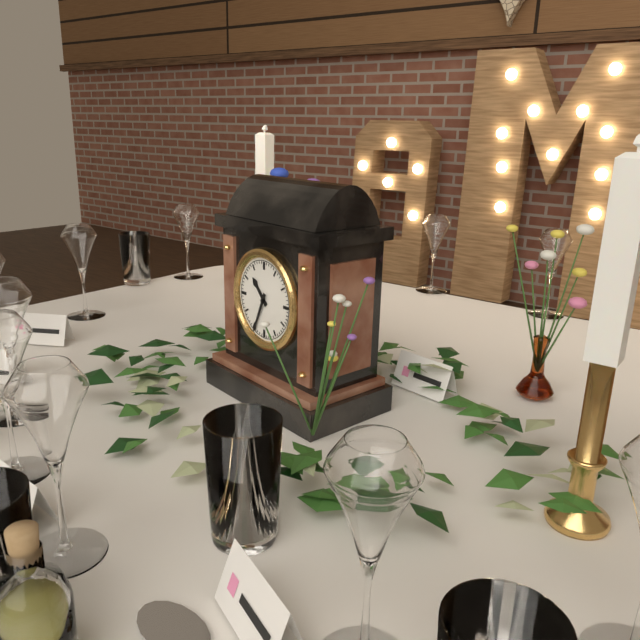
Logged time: 10:34
